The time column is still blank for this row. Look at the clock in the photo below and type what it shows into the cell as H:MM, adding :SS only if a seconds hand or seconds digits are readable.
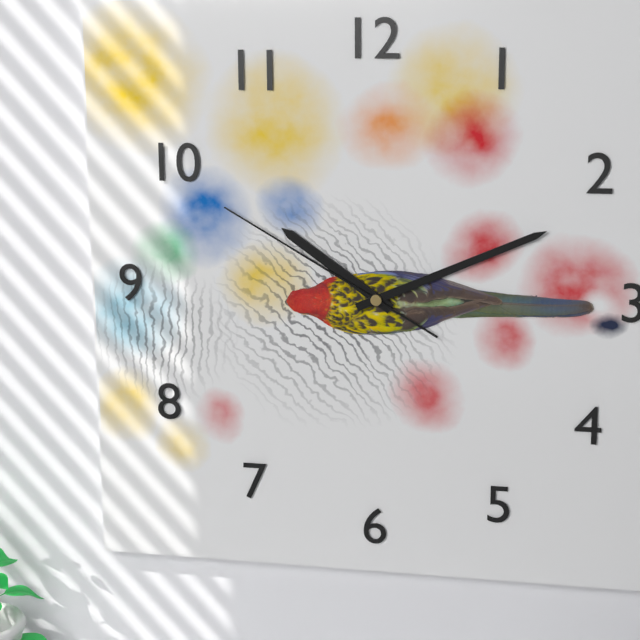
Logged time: 10:11:50
